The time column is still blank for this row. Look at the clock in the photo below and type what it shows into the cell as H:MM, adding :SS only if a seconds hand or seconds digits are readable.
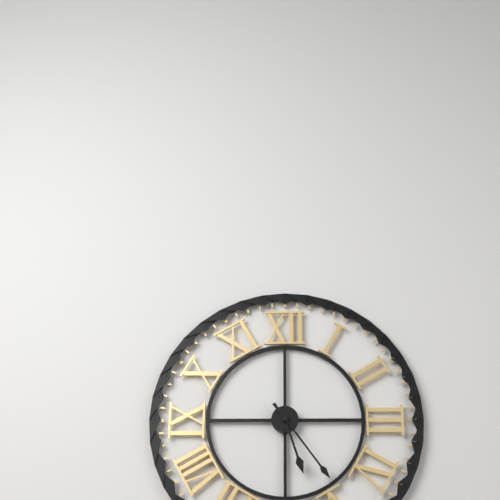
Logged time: 5:24
